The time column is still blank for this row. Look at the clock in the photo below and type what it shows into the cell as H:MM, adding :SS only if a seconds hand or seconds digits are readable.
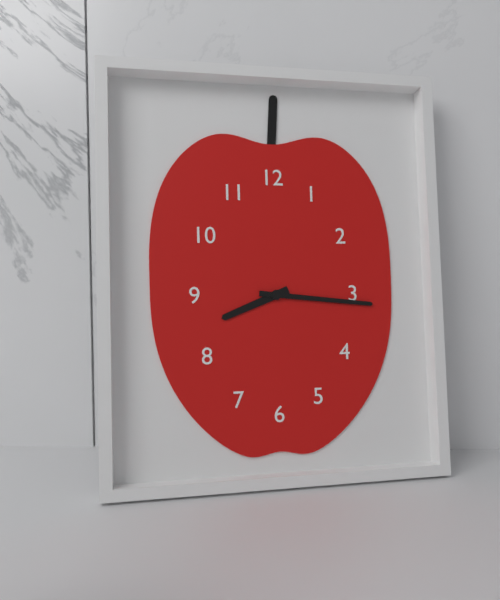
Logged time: 8:16
